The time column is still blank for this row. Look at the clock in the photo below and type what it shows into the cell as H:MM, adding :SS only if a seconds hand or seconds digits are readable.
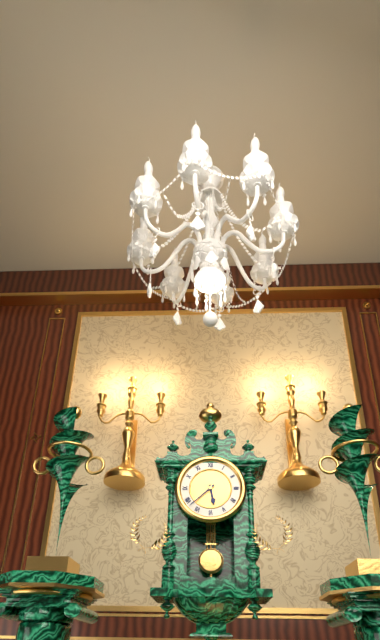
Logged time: 5:38
